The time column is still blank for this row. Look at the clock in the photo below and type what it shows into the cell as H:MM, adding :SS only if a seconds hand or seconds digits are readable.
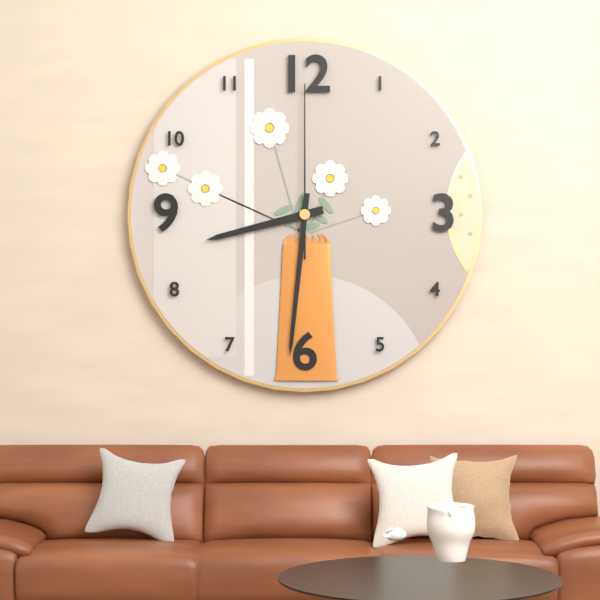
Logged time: 8:31:00
